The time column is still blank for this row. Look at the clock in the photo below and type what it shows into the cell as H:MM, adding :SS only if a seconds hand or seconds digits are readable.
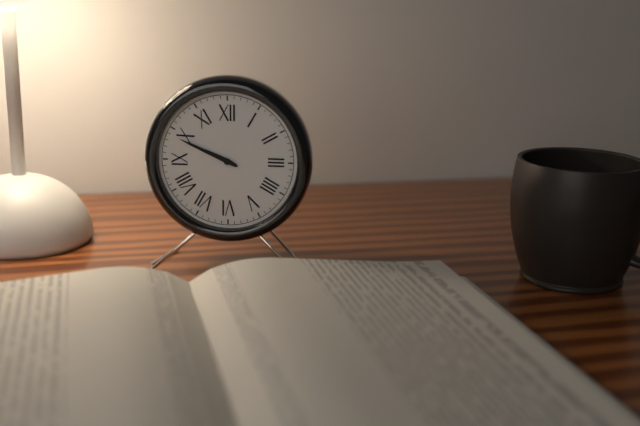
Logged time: 9:49
